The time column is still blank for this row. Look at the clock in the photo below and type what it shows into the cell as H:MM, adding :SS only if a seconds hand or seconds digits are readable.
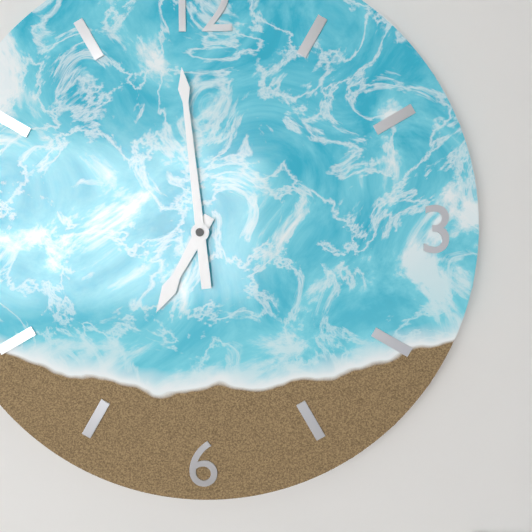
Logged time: 6:59
